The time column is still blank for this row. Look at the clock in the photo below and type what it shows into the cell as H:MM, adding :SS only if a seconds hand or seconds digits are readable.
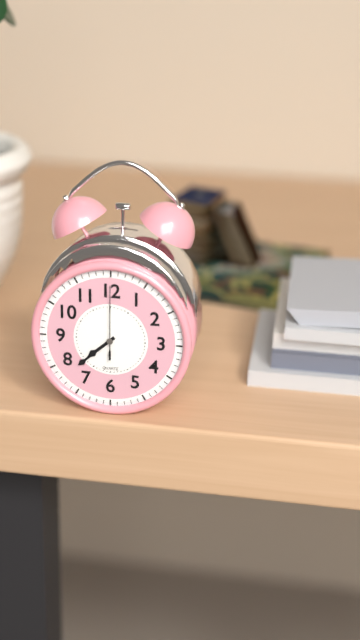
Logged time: 7:38:00
